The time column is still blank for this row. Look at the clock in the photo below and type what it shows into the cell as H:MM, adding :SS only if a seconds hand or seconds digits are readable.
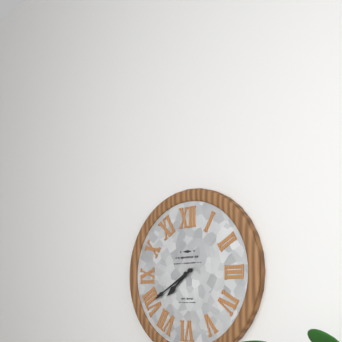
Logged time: 7:40
